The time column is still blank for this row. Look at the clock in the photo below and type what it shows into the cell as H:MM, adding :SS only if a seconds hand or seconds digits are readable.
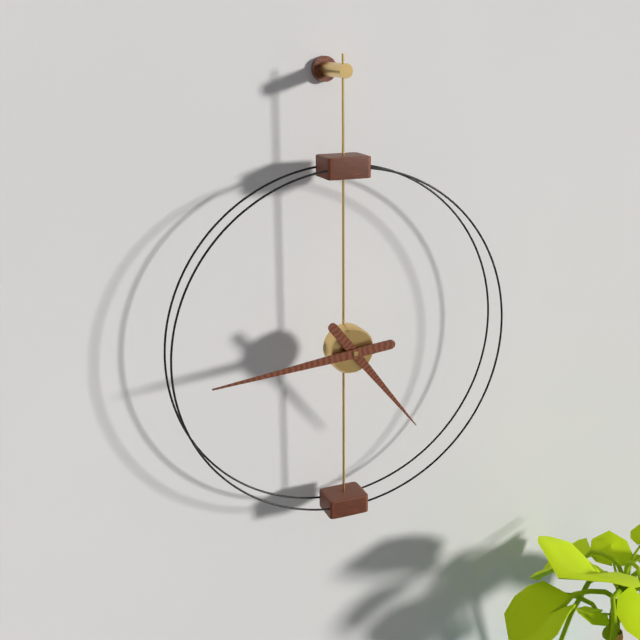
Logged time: 4:44
